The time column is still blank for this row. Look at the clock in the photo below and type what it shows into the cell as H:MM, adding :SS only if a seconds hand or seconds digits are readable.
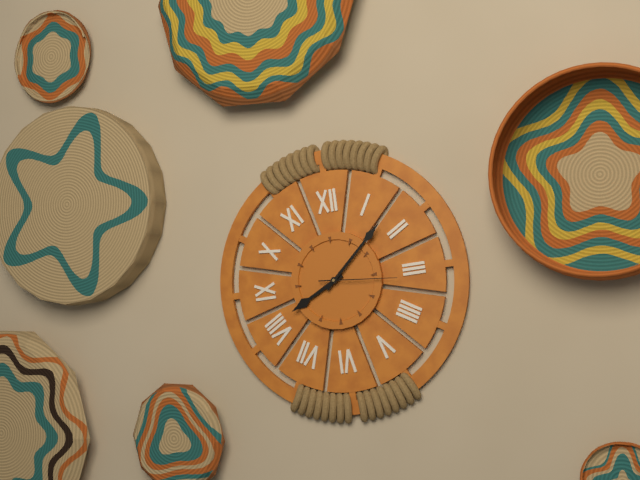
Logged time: 8:08:16
